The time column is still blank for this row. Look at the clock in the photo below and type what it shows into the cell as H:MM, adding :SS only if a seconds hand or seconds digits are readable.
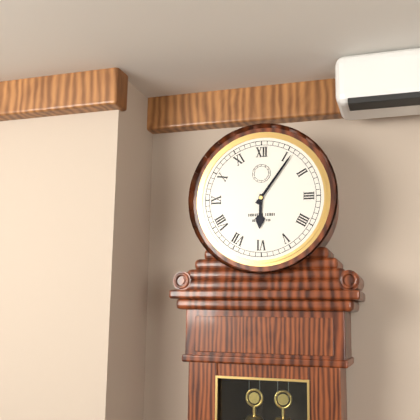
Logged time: 6:06
